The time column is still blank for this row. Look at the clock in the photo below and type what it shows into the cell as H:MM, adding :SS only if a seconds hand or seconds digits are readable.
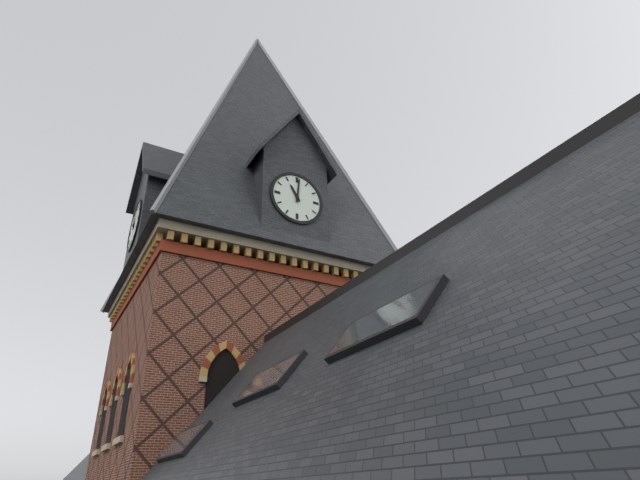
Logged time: 11:01
